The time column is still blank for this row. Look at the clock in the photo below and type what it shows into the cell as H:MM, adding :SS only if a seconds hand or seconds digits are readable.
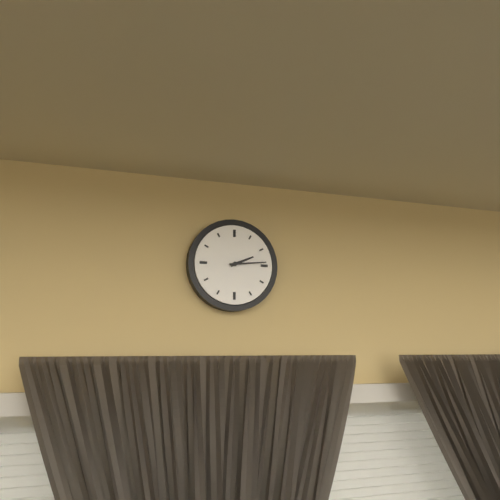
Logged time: 2:14
